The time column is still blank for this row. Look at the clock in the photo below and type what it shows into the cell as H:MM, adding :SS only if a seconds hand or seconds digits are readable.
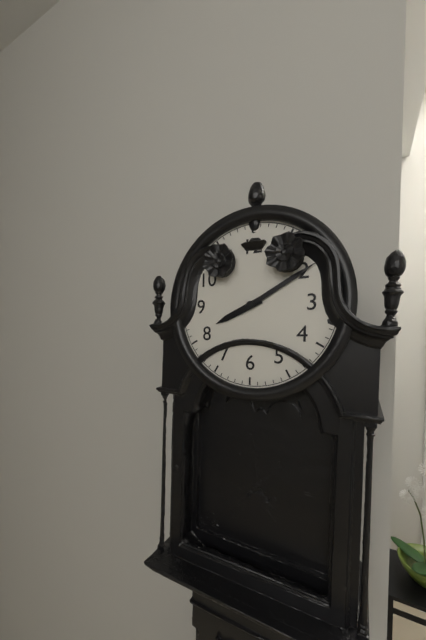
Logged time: 8:10
